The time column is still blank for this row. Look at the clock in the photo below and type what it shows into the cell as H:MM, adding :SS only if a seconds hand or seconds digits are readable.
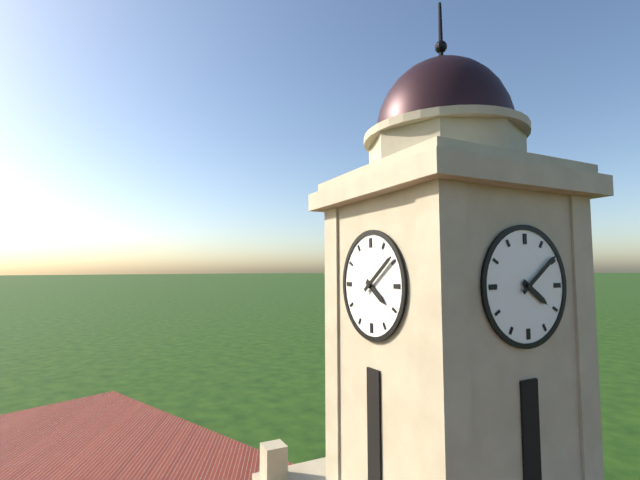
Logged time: 4:09
